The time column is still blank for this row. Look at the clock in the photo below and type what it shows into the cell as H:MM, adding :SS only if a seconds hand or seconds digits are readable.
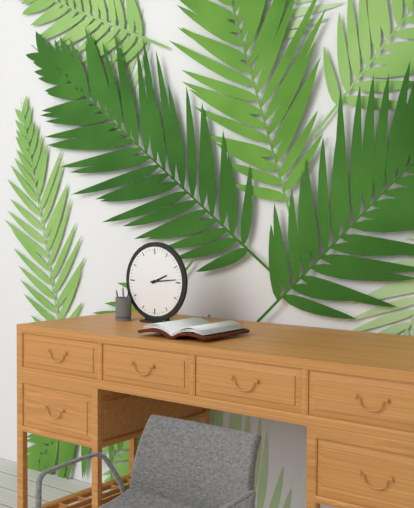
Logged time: 2:14
